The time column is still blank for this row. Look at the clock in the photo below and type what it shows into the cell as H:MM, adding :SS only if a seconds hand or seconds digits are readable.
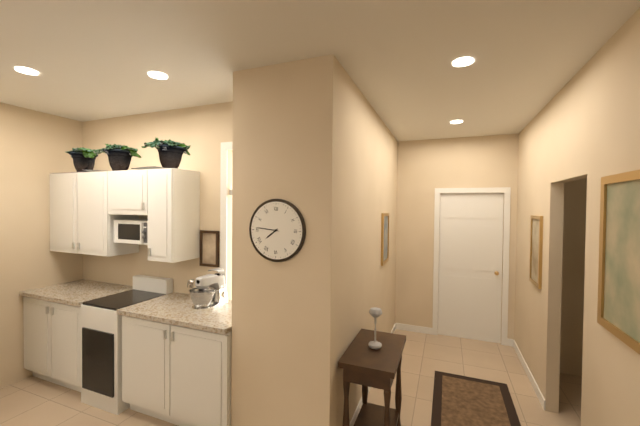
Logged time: 7:46
